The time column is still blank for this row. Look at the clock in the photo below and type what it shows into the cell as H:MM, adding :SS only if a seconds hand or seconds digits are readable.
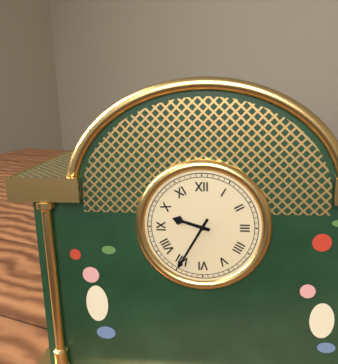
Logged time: 9:35
